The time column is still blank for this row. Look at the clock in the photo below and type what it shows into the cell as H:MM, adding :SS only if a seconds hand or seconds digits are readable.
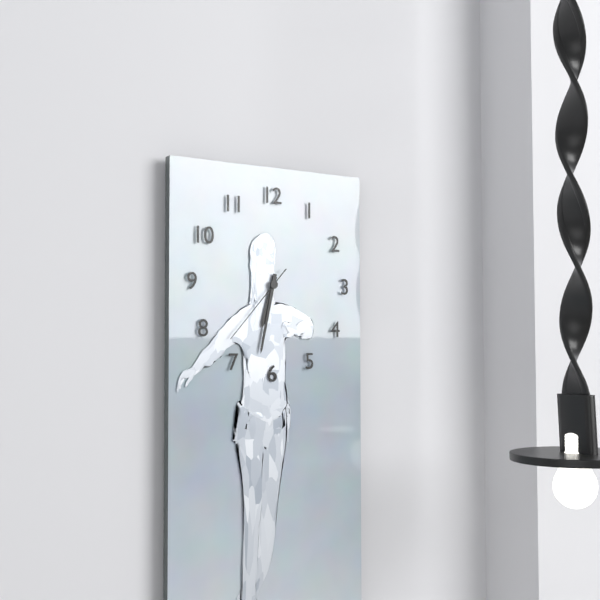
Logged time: 6:32:37
